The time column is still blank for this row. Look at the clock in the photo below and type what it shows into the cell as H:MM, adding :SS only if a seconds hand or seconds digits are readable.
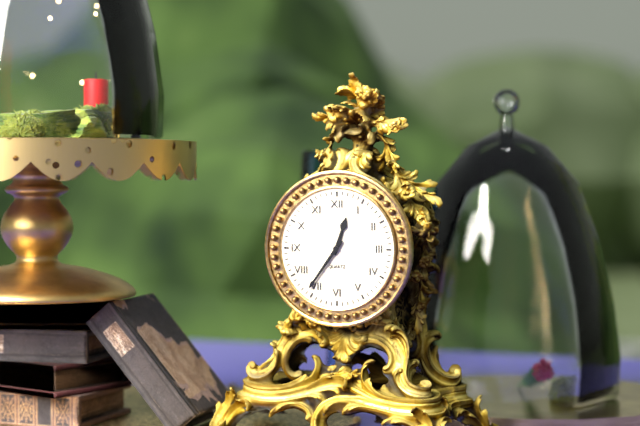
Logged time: 12:36
